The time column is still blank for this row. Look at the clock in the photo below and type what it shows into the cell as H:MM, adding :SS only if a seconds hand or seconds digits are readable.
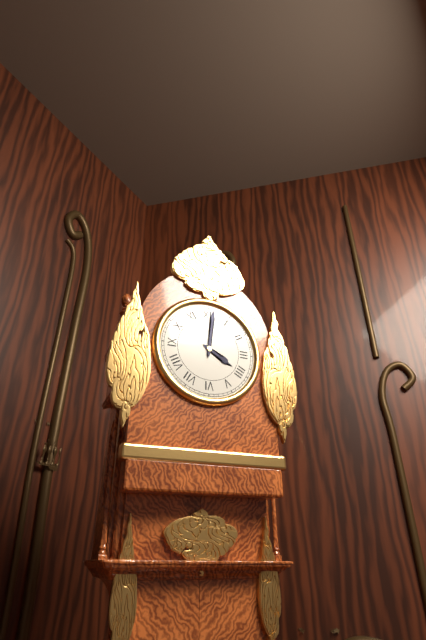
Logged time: 4:01
